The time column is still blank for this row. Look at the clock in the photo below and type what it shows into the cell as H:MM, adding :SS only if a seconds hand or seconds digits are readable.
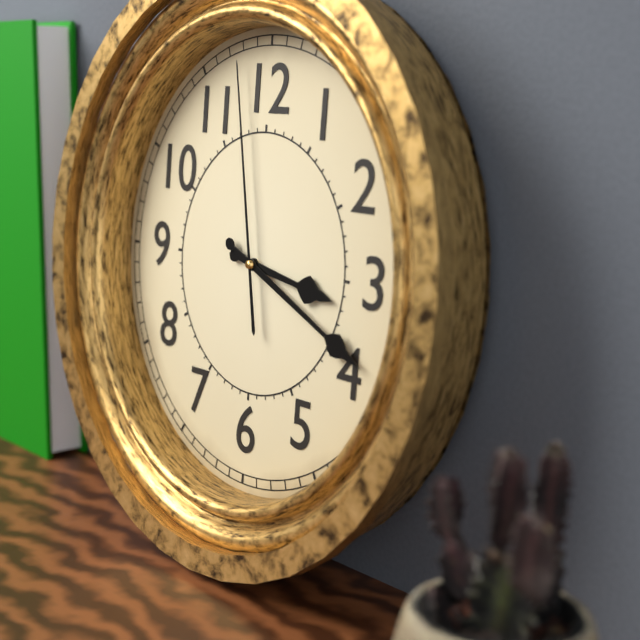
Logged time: 3:19:58
